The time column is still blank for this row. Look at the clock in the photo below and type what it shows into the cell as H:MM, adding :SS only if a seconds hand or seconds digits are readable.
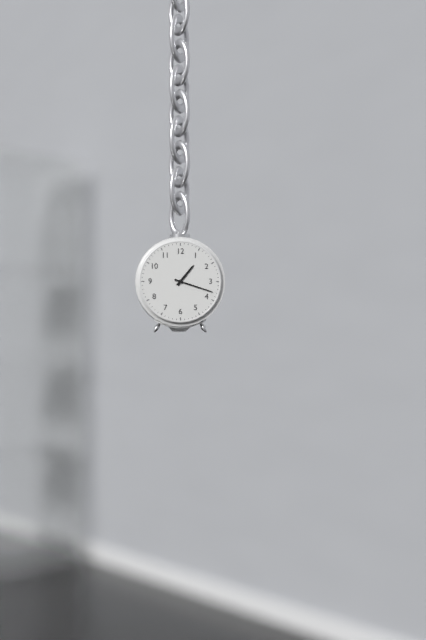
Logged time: 1:18
